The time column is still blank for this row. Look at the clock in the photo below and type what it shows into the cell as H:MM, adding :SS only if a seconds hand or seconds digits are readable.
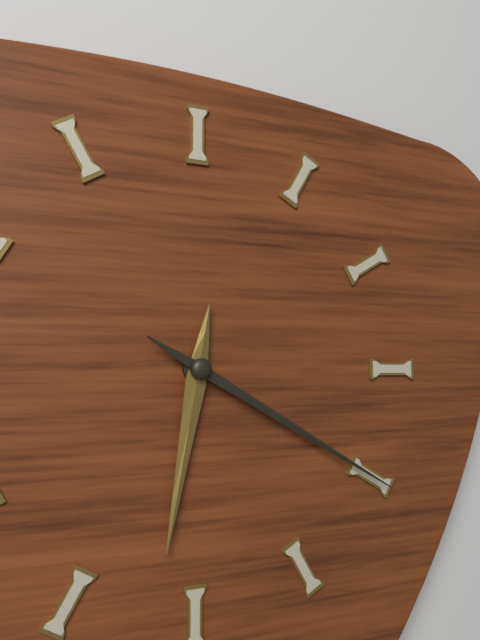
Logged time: 6:20
